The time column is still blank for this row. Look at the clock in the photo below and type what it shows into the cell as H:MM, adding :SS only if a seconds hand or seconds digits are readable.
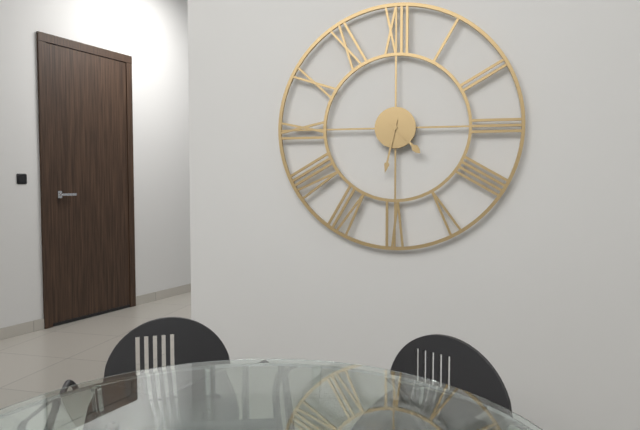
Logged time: 4:32
